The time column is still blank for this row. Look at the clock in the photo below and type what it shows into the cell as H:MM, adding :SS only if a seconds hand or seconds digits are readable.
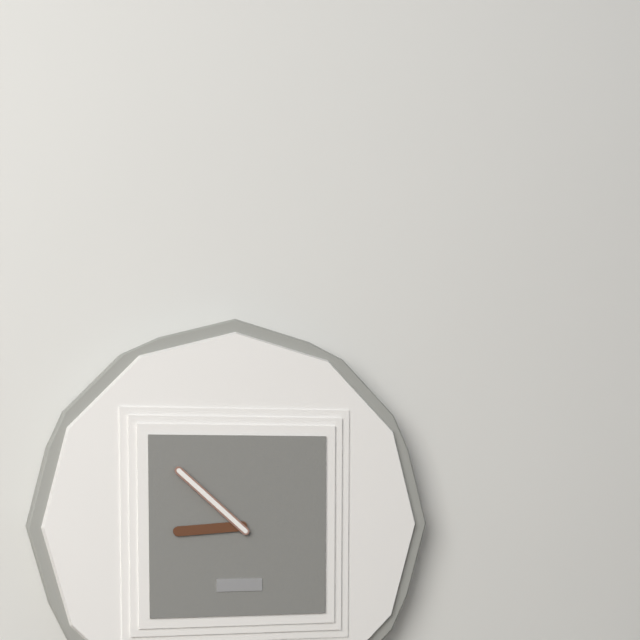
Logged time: 8:52
